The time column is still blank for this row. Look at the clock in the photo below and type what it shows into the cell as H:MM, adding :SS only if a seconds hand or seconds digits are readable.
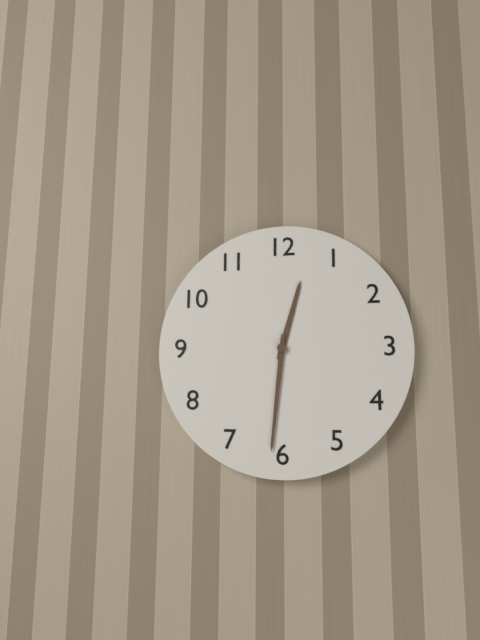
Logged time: 12:31
